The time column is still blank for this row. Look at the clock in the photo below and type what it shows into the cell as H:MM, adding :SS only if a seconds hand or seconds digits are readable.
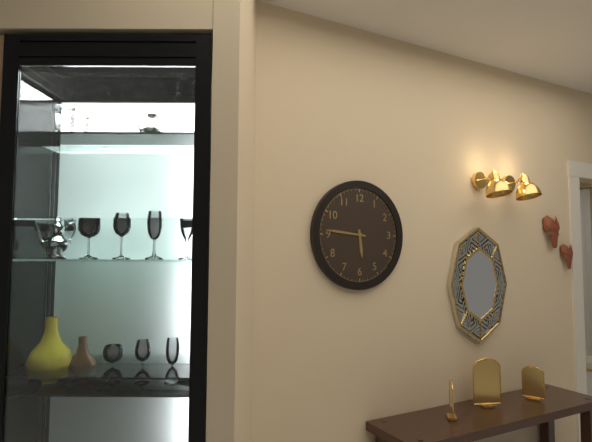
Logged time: 5:46
